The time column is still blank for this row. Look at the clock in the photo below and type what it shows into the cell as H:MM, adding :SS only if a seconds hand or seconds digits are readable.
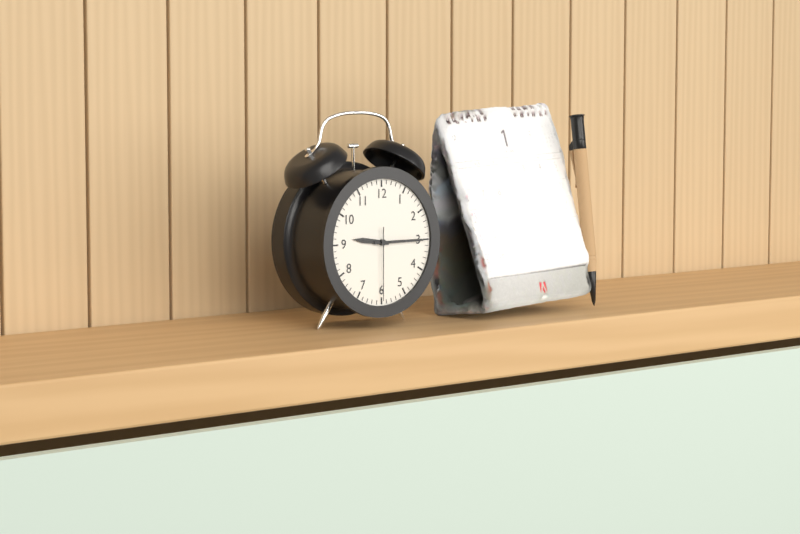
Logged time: 9:15:30
